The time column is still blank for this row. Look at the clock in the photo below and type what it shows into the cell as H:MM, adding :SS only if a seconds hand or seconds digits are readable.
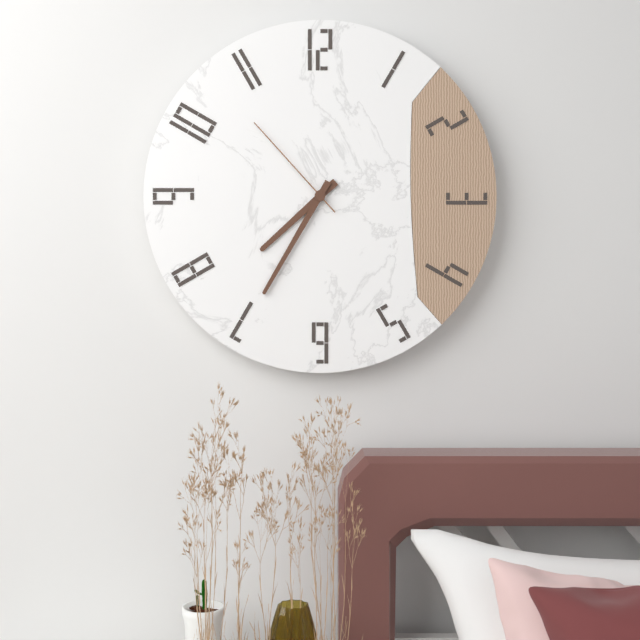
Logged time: 7:35:53
